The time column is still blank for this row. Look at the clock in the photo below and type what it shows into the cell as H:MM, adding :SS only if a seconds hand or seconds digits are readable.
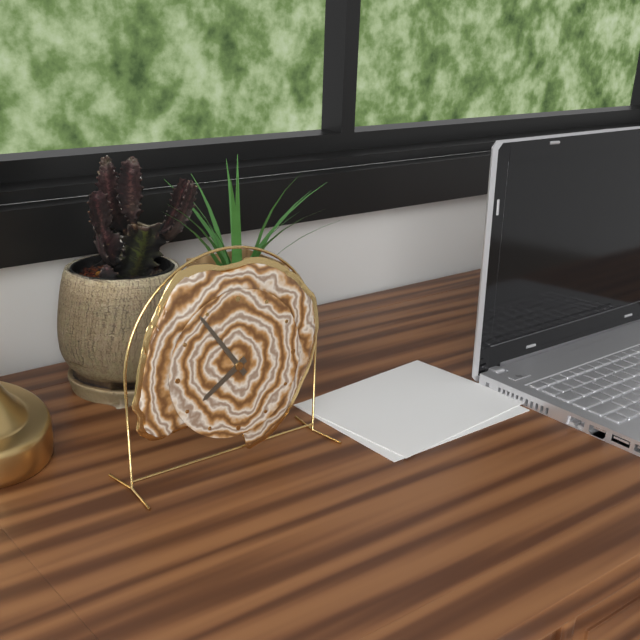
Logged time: 7:54
